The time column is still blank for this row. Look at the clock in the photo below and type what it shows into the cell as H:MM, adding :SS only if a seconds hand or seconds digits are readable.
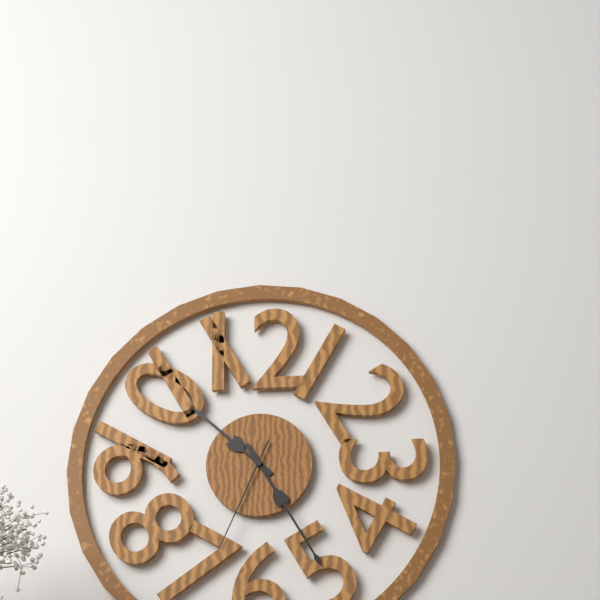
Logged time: 10:25:34
